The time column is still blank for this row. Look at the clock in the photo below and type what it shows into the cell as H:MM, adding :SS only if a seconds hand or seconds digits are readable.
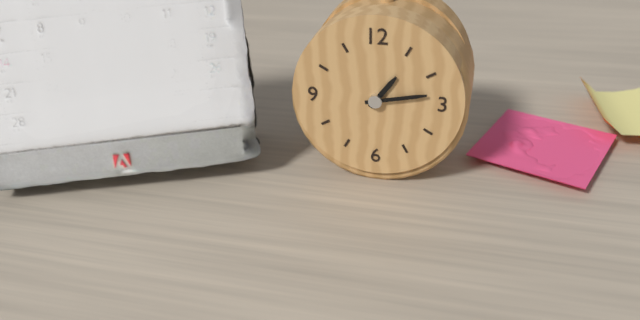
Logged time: 1:13
